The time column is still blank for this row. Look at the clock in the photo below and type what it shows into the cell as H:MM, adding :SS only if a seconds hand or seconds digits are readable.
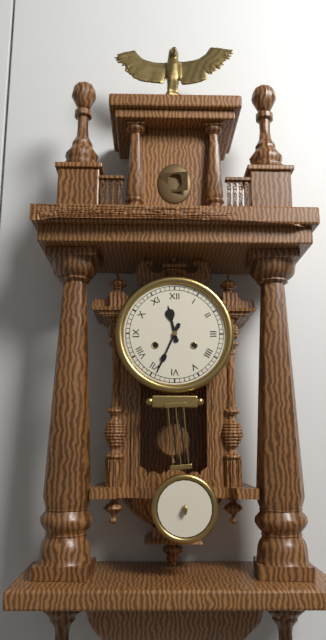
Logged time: 11:34
